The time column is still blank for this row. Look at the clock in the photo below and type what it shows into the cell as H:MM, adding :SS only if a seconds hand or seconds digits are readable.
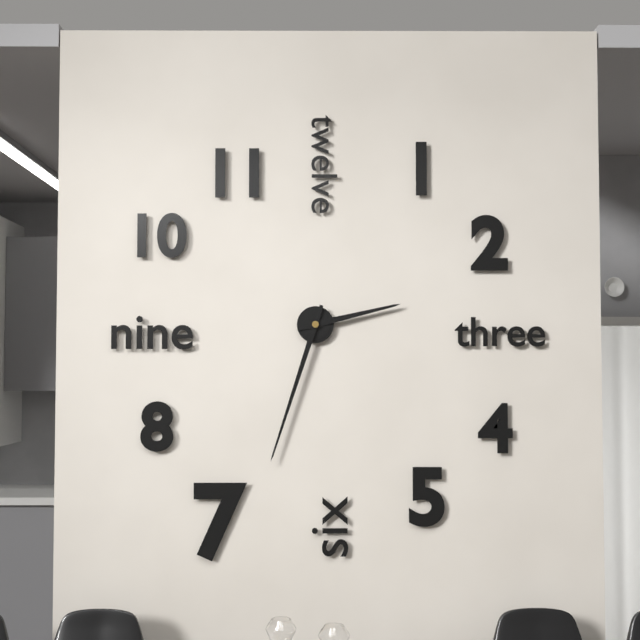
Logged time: 2:33
